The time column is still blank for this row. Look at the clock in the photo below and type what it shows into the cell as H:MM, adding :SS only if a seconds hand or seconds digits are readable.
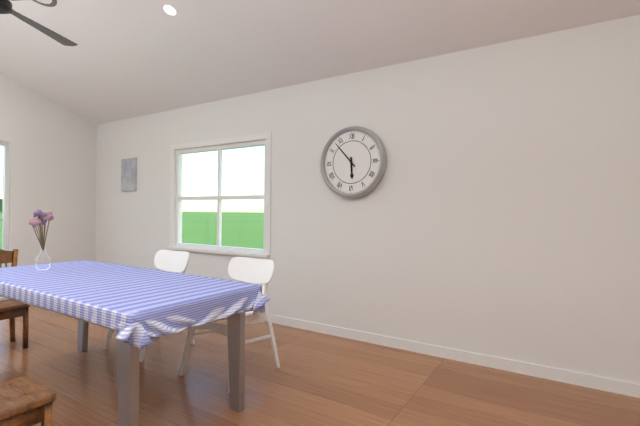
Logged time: 5:53
